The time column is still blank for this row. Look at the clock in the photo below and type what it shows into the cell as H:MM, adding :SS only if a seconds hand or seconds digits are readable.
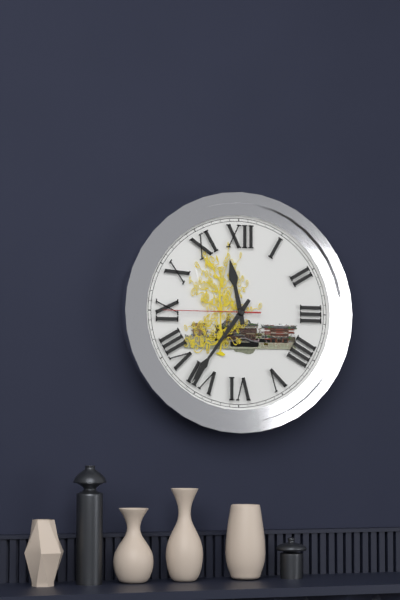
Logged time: 11:36:45
